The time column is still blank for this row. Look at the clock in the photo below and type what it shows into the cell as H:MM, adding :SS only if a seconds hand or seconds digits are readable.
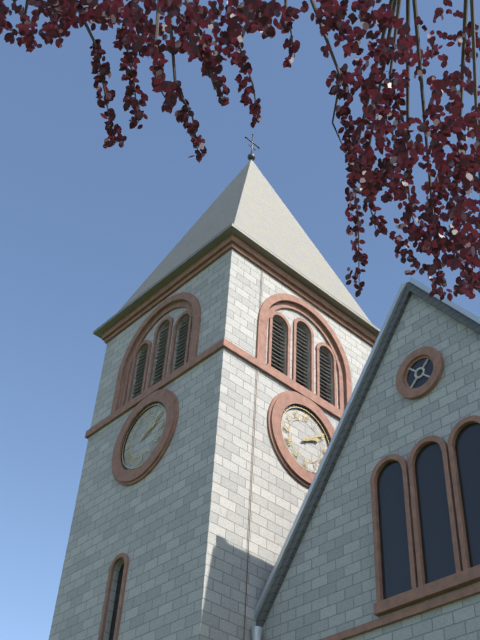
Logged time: 2:09
